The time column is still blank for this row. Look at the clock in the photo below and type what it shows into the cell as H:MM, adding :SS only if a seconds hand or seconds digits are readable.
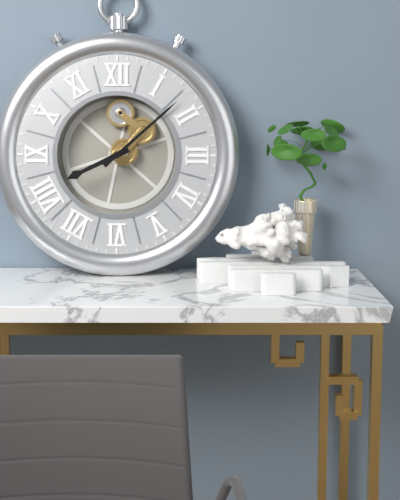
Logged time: 8:08
